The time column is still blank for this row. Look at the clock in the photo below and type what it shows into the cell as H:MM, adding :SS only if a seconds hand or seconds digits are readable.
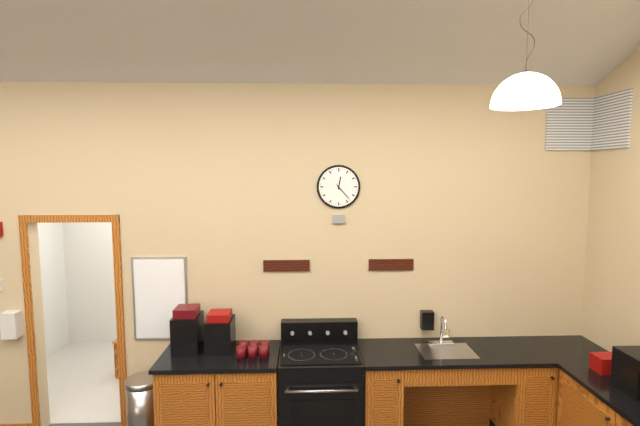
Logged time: 12:23
